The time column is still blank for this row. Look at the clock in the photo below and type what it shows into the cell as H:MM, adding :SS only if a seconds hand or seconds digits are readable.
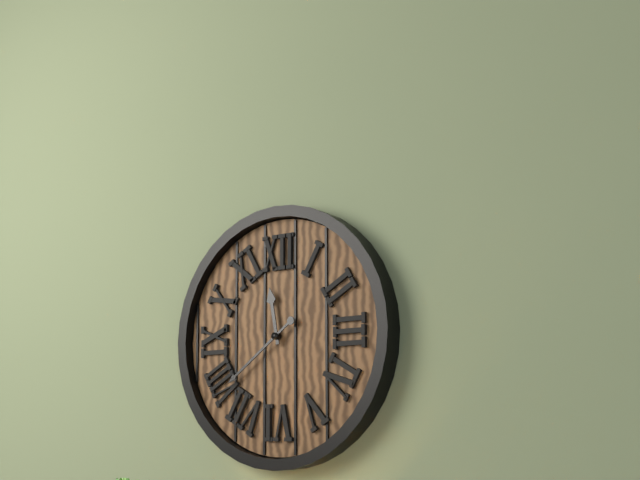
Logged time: 11:39
